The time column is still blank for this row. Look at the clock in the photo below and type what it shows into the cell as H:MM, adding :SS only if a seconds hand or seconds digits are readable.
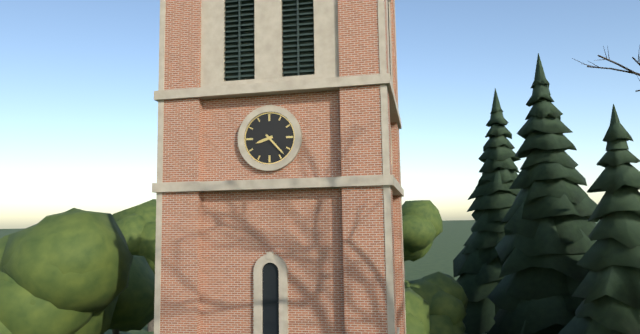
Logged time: 8:23
